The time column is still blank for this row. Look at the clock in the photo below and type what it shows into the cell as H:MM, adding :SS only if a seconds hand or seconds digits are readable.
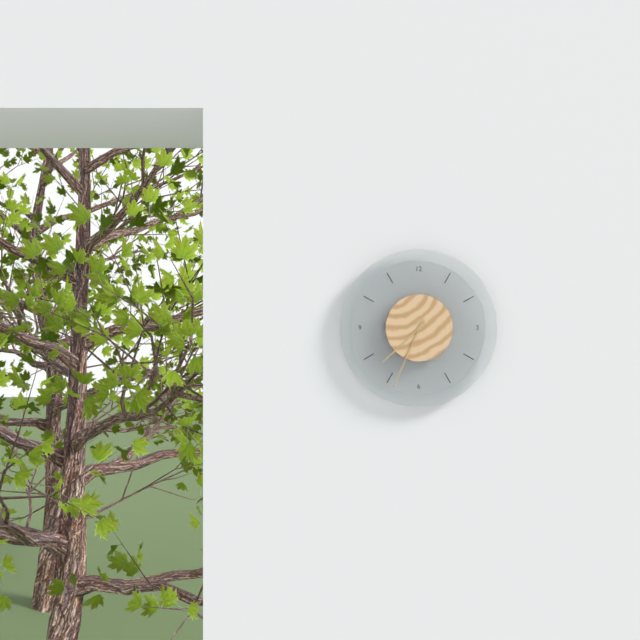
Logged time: 7:34
